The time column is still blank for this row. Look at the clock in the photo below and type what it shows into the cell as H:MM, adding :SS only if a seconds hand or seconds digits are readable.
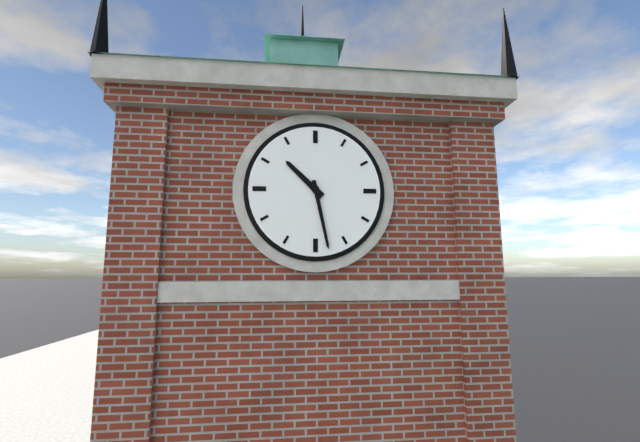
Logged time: 10:28
